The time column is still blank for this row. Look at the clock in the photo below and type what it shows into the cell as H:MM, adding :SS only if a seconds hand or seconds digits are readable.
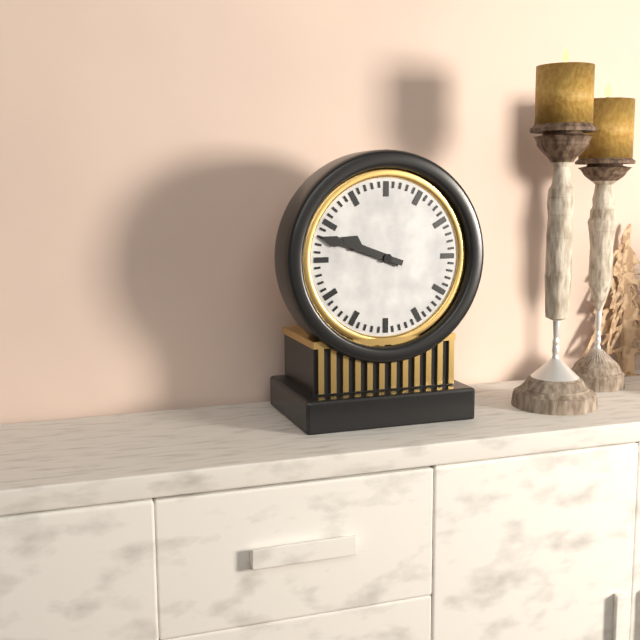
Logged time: 9:48
